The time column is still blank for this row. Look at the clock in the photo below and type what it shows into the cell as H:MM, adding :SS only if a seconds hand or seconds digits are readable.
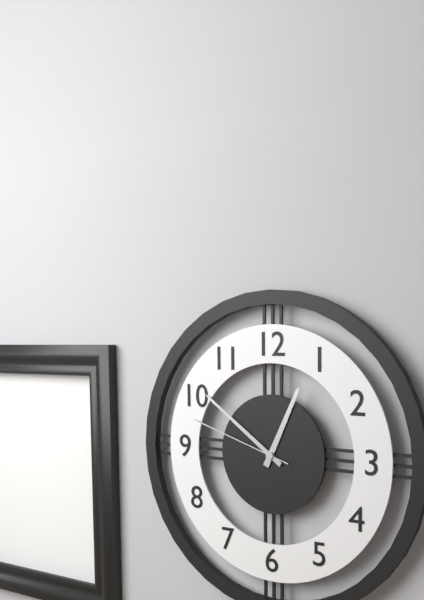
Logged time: 12:51:48
